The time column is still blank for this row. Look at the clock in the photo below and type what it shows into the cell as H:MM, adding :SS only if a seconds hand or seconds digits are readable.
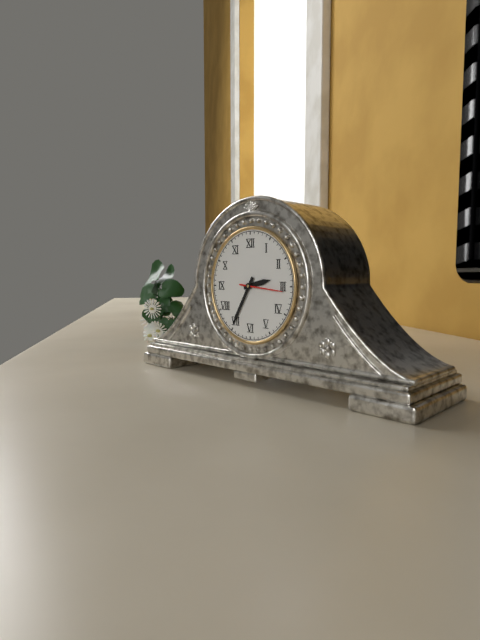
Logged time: 2:35
